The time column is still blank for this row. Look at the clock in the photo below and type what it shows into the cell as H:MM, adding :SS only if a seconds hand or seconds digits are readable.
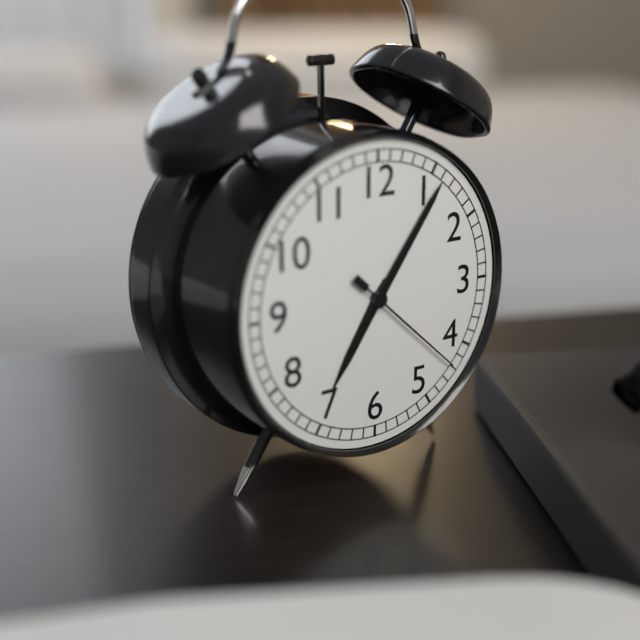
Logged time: 7:06:22
